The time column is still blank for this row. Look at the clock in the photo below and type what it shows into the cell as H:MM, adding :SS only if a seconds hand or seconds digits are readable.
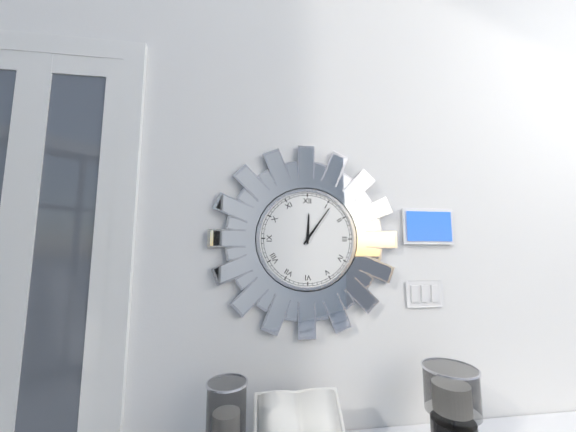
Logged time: 12:06
